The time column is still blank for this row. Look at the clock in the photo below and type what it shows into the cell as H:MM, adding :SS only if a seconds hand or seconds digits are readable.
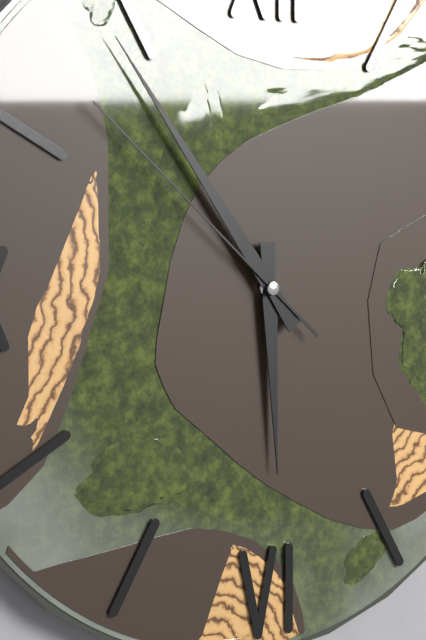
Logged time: 5:54:52
